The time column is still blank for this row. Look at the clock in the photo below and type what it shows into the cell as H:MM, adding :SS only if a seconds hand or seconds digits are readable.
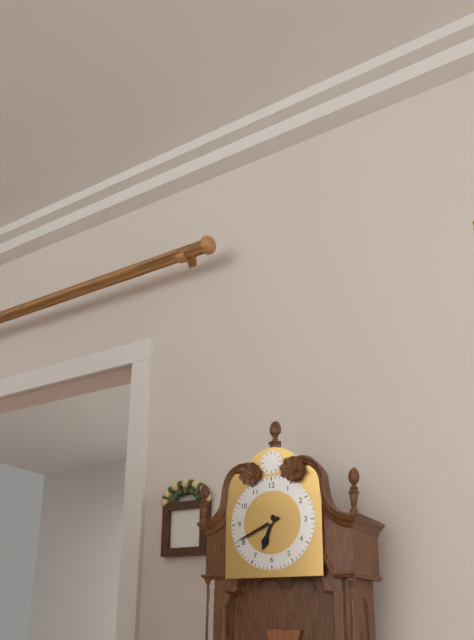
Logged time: 6:41
